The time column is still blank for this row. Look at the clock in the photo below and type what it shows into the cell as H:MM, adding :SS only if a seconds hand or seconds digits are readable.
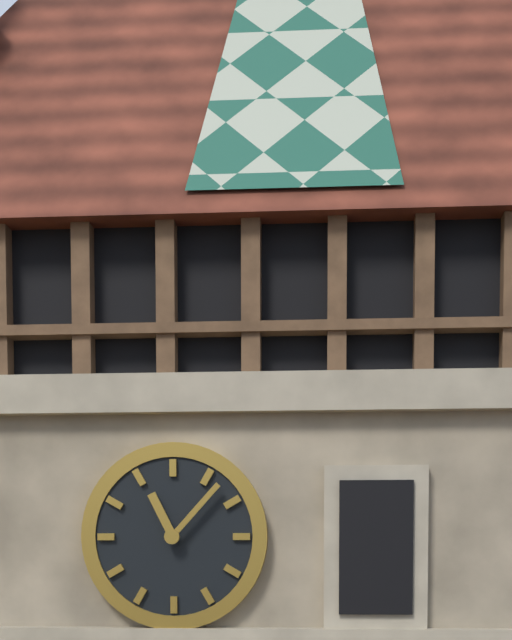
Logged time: 11:07
